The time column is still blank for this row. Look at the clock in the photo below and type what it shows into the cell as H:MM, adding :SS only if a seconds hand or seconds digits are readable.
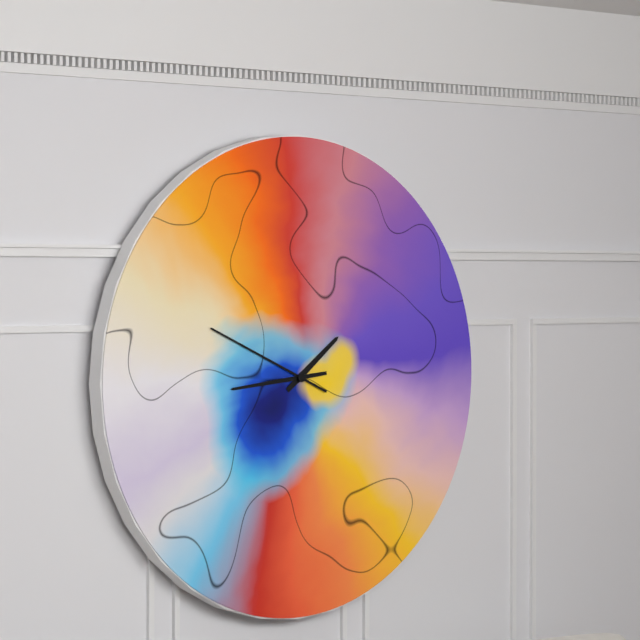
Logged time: 1:44:49
